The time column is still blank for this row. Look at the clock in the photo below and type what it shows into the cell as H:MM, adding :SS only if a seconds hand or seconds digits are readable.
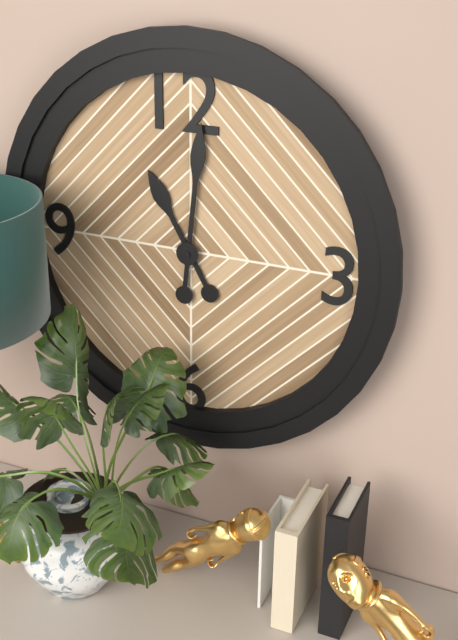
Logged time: 11:01
